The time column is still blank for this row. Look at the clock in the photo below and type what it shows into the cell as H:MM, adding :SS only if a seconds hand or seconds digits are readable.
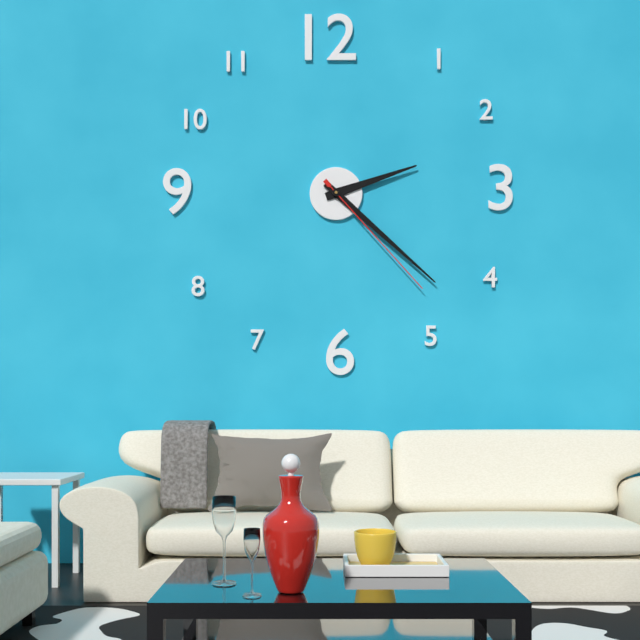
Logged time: 2:22:23
